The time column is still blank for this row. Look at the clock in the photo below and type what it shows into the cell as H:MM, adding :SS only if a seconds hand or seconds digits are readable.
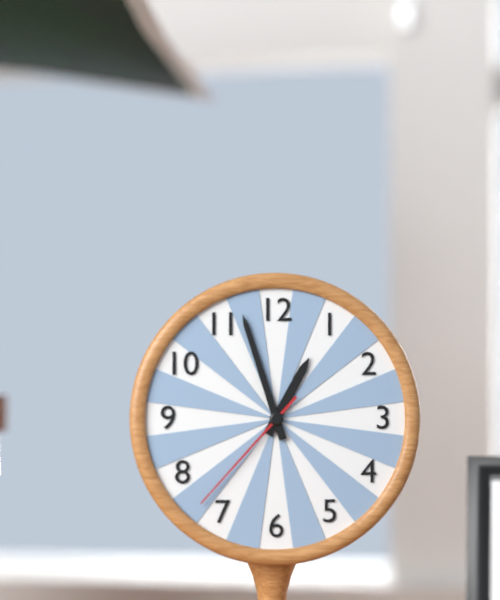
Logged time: 12:57:37
